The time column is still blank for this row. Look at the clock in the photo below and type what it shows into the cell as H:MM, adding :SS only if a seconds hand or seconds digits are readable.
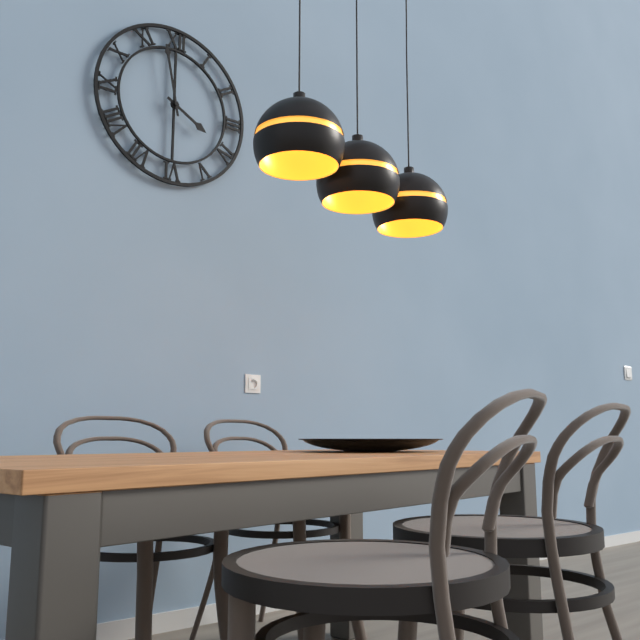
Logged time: 3:58
